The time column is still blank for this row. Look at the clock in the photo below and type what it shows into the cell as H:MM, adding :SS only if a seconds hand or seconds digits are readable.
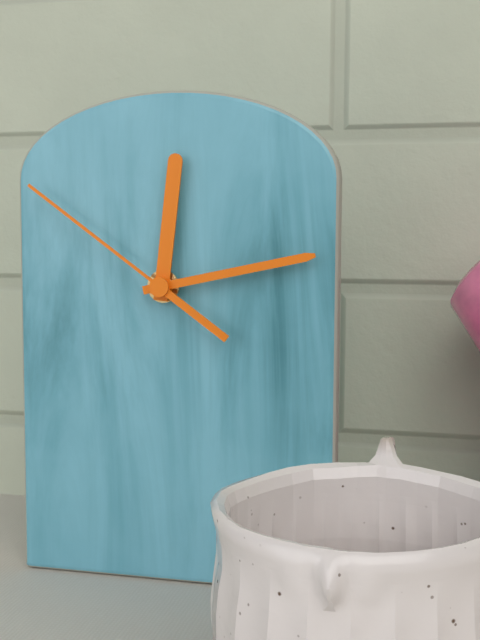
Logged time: 12:13:51
